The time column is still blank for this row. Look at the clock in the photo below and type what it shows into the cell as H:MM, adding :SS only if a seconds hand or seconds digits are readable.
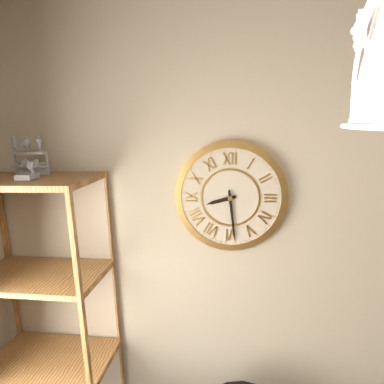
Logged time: 8:29
